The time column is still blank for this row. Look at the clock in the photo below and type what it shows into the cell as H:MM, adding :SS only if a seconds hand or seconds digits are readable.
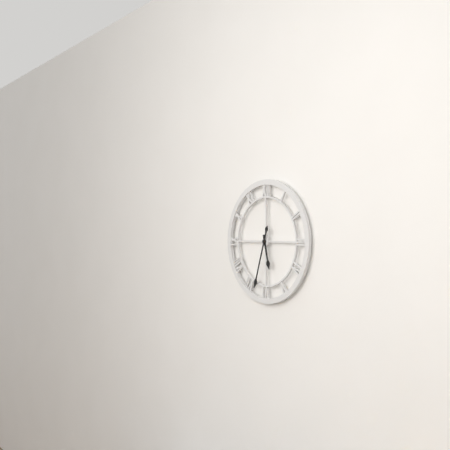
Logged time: 5:33
